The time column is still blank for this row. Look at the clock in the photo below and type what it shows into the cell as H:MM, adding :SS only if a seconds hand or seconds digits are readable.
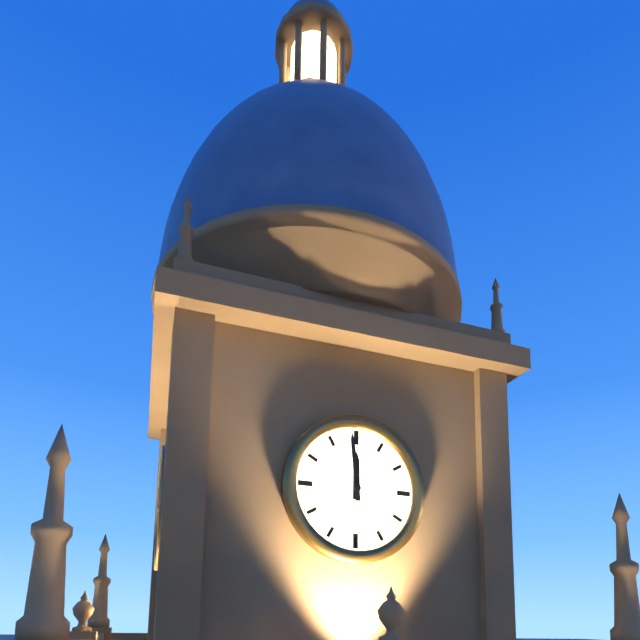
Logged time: 11:59
